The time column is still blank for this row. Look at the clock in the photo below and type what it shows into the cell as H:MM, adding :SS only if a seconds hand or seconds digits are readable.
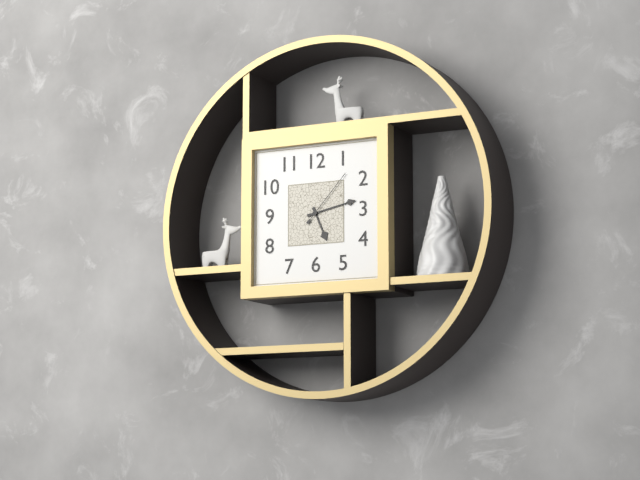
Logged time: 5:13:07
